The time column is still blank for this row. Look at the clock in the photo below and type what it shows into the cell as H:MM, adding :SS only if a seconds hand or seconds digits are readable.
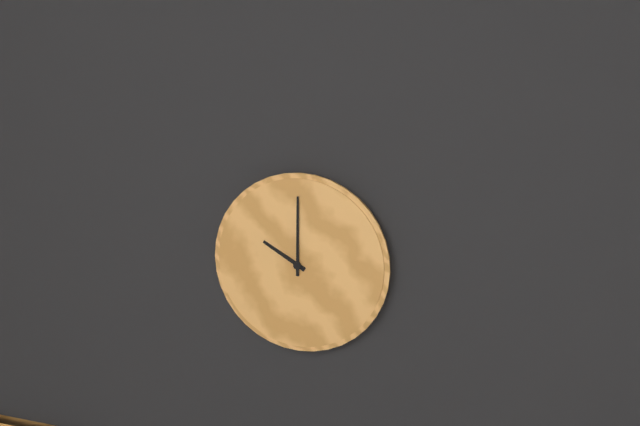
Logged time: 10:00
